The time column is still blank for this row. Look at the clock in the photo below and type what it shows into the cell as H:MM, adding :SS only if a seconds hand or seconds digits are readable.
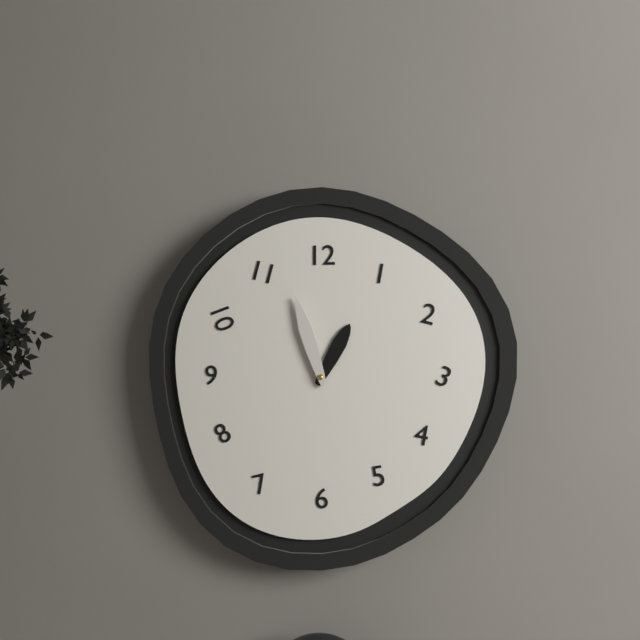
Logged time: 12:57
